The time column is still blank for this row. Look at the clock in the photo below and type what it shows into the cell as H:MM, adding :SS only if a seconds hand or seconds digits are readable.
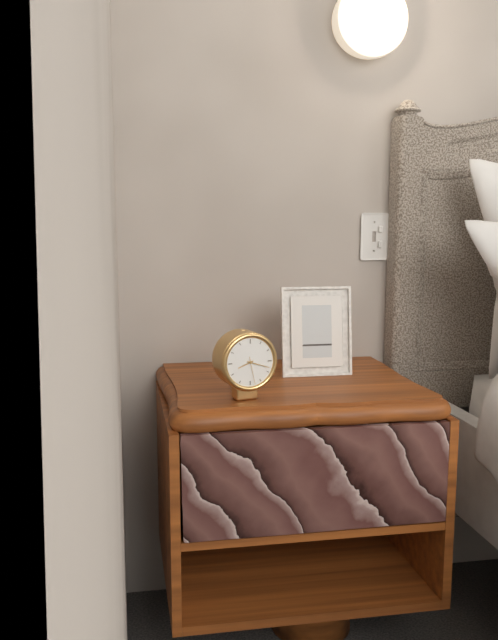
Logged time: 8:18
